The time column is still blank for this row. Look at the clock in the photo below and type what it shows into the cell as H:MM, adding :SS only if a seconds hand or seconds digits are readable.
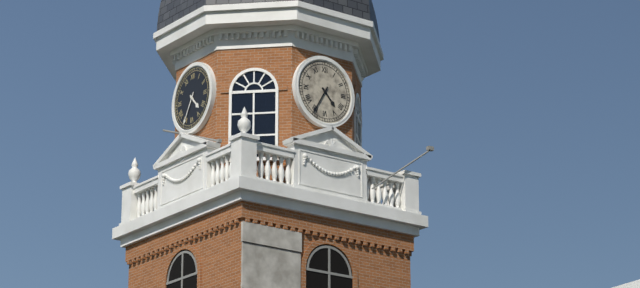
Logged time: 4:35
